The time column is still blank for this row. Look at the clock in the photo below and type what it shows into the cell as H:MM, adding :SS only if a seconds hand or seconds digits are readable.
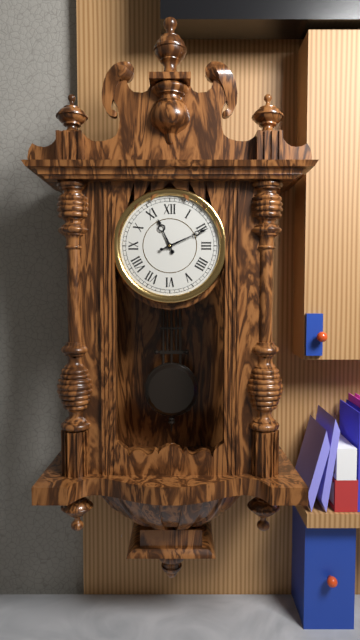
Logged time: 11:11
